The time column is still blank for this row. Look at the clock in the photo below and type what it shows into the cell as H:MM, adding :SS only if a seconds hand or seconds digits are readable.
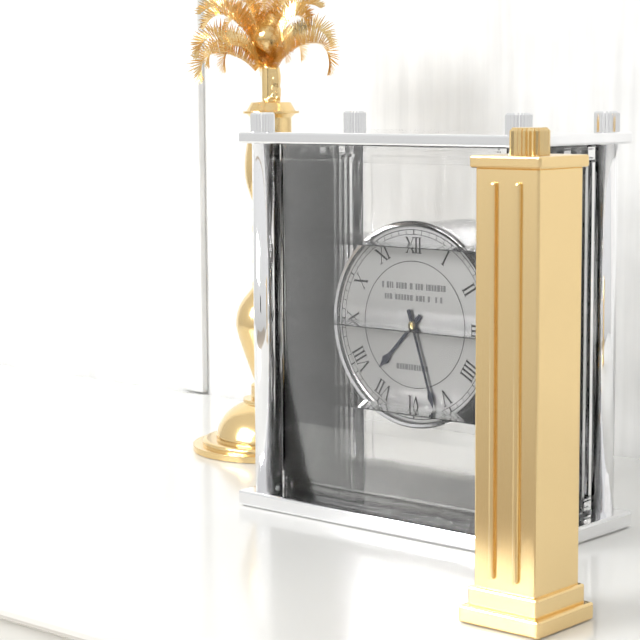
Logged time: 7:27
